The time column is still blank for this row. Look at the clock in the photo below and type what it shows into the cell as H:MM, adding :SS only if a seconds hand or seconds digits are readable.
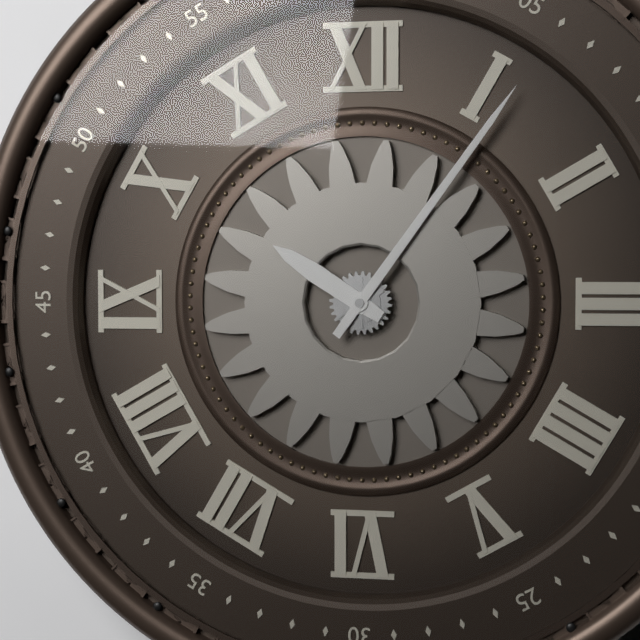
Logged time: 10:06
